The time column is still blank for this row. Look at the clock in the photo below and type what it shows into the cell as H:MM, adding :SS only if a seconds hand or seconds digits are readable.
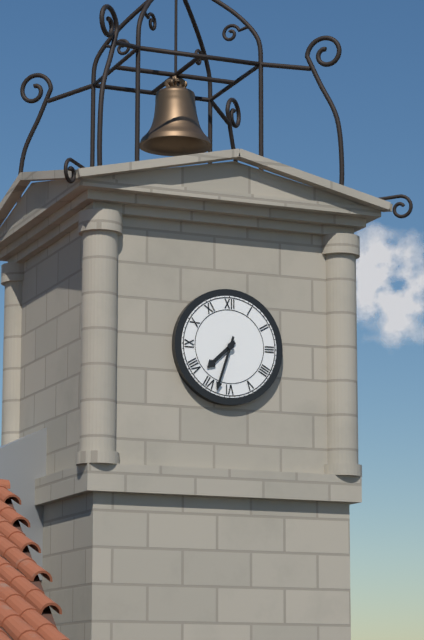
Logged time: 7:33
